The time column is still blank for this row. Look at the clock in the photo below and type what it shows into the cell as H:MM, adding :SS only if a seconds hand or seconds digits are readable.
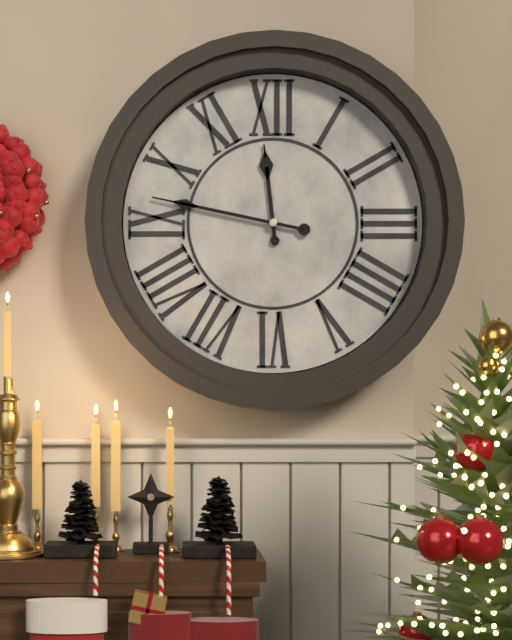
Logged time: 11:47
